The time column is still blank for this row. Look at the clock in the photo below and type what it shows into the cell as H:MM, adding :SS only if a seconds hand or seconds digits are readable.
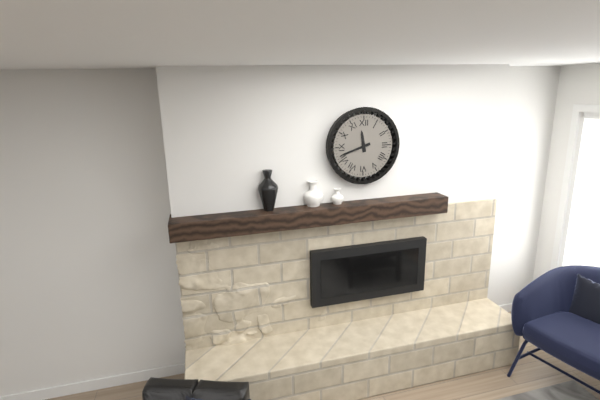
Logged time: 11:42
